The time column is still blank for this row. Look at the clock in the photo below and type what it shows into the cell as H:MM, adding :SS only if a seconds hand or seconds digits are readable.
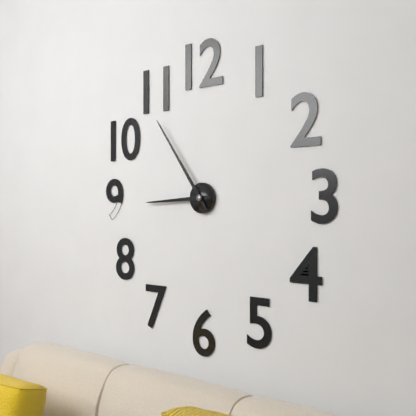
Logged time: 8:54
